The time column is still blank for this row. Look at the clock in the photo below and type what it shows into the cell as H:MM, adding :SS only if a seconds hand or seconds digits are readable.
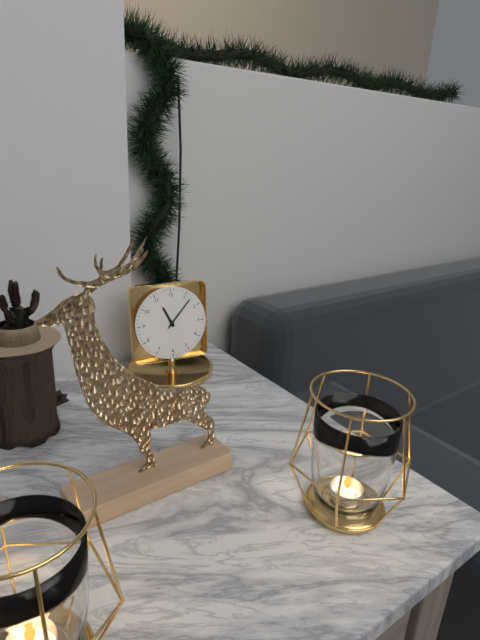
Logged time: 11:07
